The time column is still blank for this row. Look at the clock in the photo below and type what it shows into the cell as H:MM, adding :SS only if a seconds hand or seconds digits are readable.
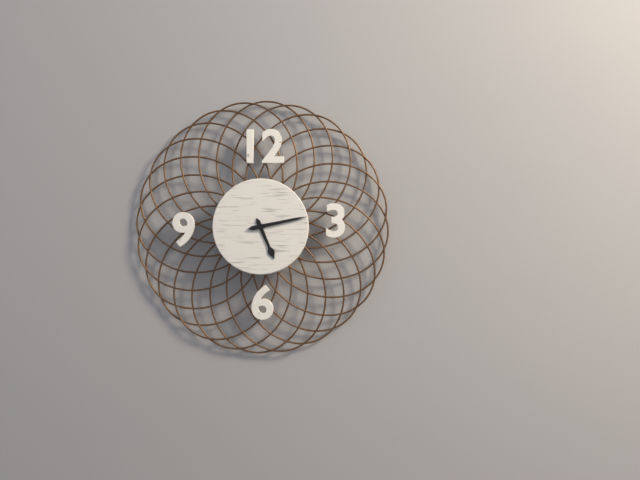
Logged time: 5:13
